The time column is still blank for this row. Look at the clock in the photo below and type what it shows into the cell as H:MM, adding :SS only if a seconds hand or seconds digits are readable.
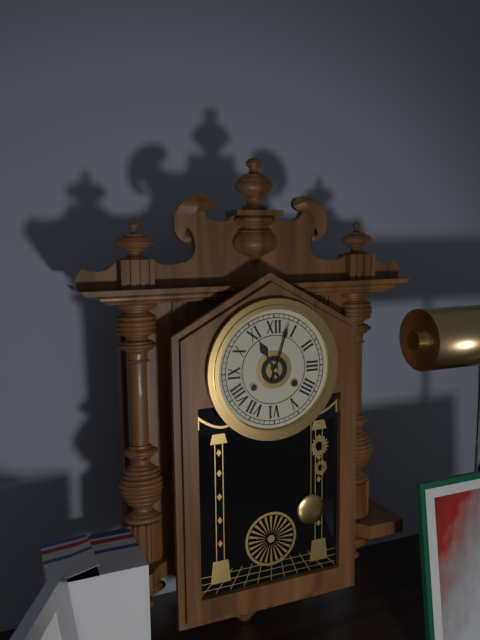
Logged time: 11:03
